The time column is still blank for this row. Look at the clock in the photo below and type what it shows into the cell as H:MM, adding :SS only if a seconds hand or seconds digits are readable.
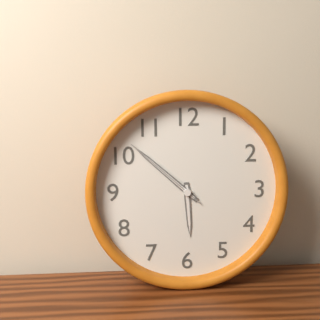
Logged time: 5:52:52
